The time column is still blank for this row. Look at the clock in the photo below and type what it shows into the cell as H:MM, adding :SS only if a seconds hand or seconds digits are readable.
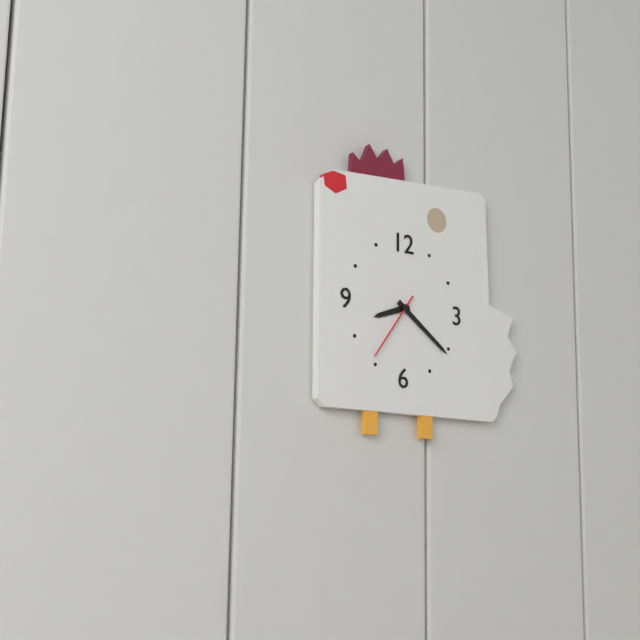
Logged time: 8:21:36
